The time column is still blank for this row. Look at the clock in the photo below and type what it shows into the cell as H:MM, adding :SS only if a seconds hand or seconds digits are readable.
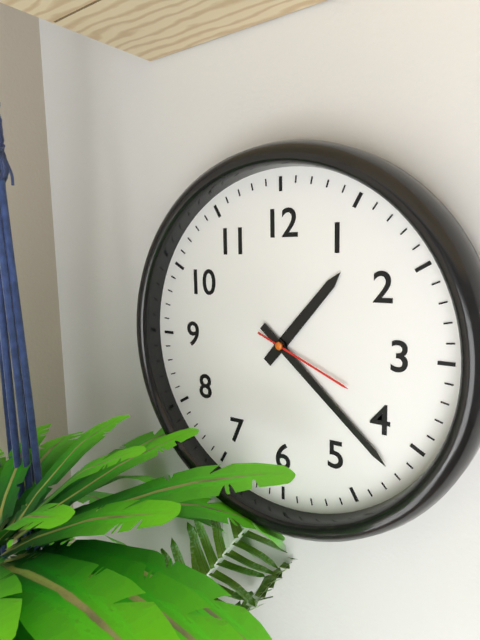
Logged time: 1:22:19
